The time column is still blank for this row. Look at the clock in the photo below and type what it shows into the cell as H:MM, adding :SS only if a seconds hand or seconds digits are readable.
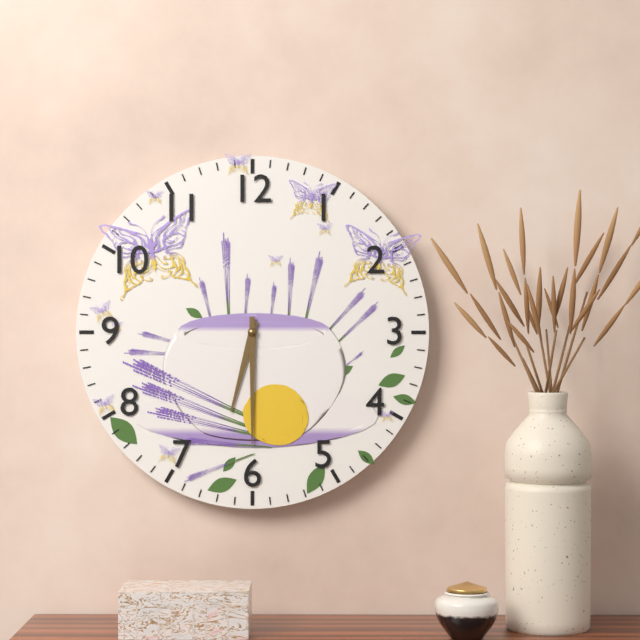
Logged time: 6:30
